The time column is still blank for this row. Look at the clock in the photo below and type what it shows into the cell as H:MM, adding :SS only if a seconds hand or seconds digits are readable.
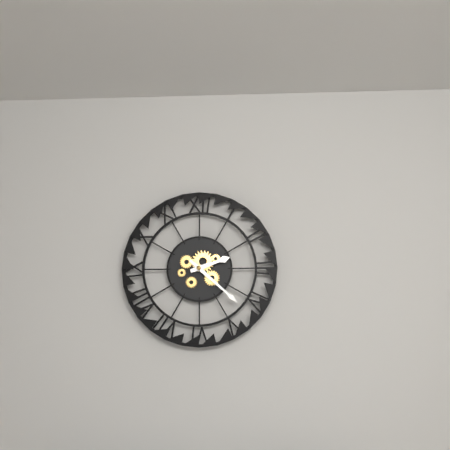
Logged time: 2:22
